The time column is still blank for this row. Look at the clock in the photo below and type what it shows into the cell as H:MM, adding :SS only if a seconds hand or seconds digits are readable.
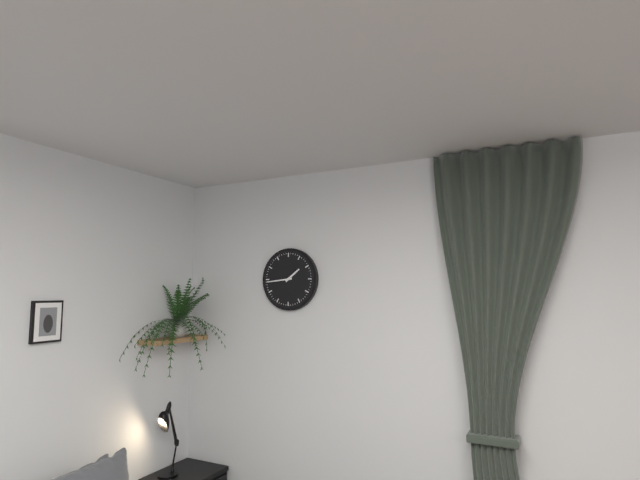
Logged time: 1:44
